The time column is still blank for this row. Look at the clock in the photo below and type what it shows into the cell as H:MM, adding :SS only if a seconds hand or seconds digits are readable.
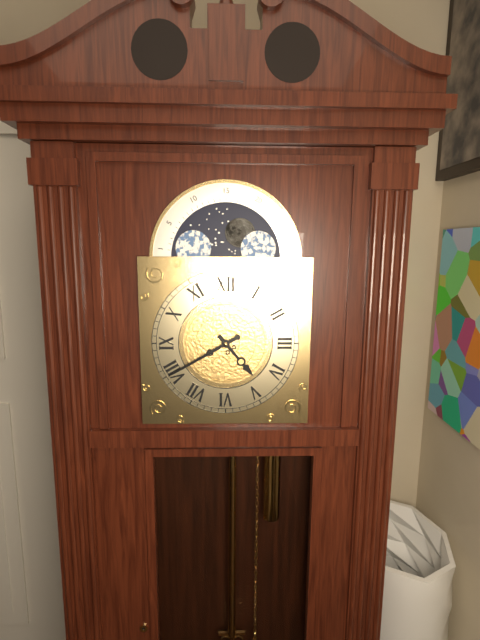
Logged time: 4:40
